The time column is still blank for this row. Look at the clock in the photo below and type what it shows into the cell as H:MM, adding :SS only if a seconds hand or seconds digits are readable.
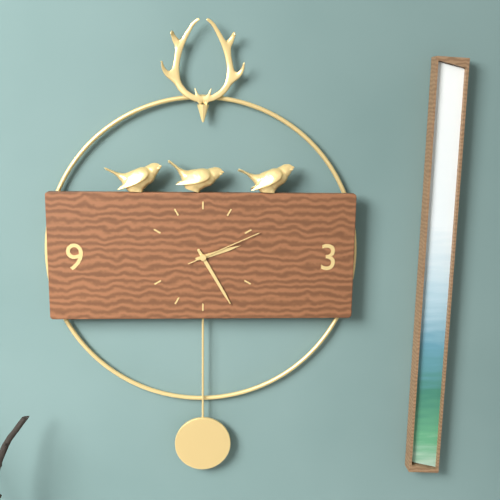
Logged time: 2:25:11
